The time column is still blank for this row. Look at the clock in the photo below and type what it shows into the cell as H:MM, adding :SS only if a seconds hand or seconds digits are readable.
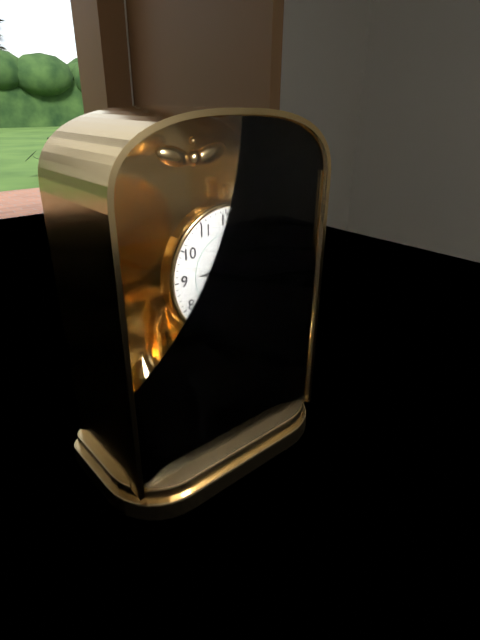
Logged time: 9:06:31
